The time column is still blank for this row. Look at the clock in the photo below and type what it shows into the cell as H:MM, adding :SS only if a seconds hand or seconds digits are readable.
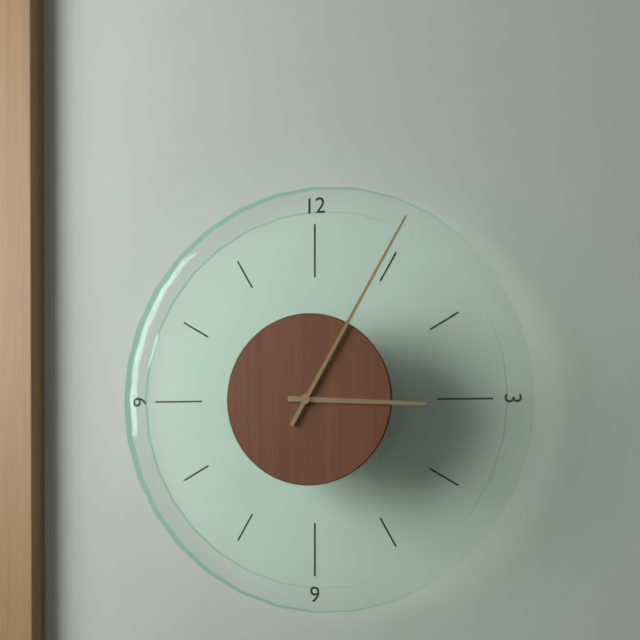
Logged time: 3:05
